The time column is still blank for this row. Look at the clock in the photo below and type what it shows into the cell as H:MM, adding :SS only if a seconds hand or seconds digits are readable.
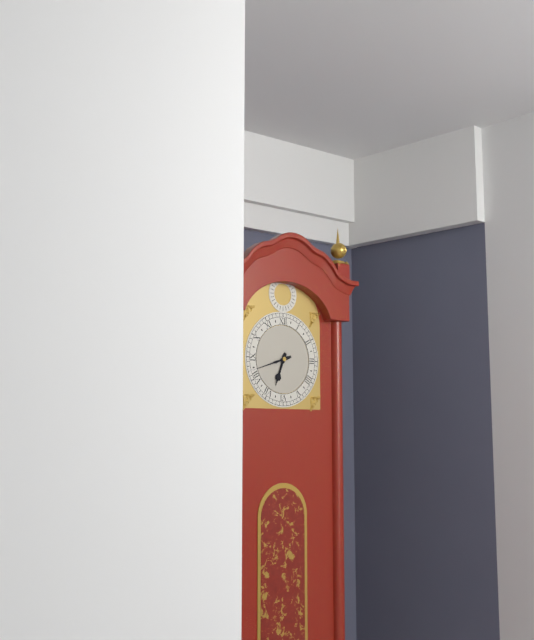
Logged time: 6:42
